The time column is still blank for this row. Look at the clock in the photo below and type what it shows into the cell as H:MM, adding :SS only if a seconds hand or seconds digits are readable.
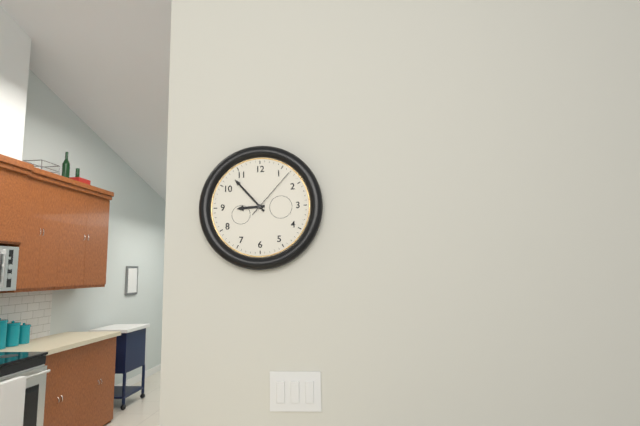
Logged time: 8:53:07
